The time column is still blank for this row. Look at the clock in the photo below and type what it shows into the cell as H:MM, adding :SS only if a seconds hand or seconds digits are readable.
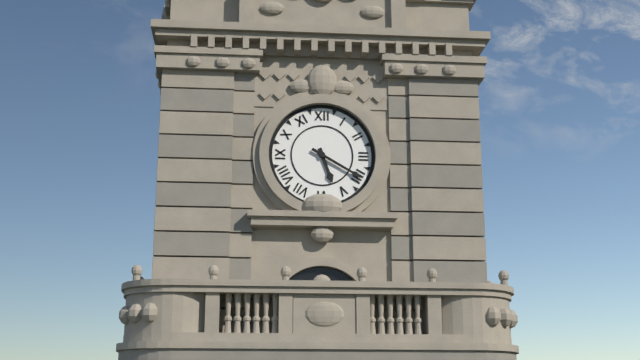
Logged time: 5:20
